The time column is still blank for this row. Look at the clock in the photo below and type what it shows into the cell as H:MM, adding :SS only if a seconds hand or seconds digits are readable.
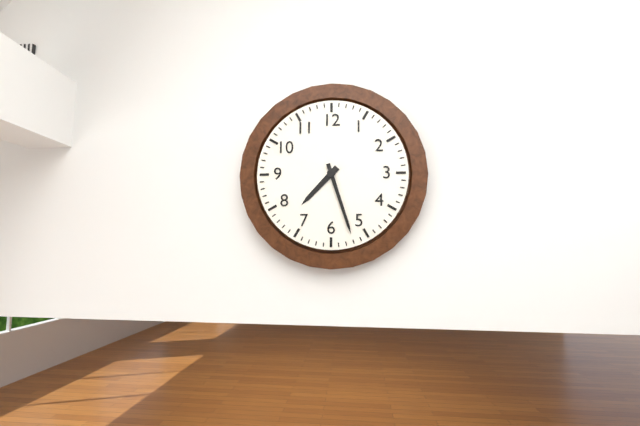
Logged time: 7:27
